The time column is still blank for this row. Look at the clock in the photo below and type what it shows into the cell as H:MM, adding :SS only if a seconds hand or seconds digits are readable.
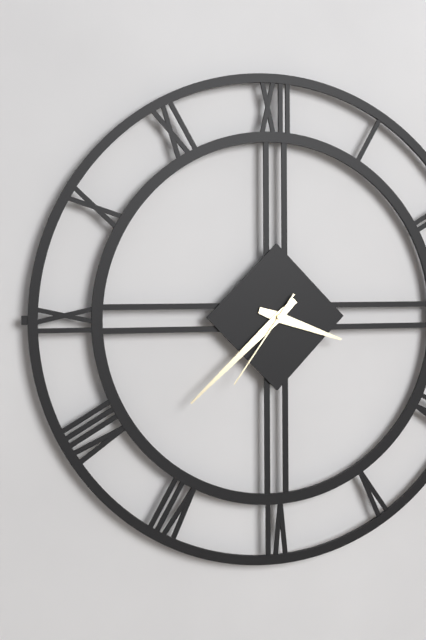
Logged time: 3:38:36
